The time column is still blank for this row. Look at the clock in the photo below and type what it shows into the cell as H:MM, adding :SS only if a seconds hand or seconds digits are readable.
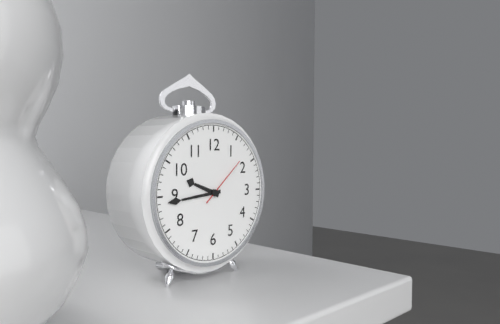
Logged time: 9:44:08
